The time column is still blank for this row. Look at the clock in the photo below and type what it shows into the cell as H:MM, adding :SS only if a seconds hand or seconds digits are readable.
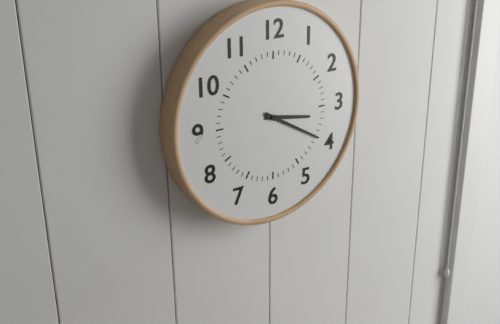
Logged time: 3:20
